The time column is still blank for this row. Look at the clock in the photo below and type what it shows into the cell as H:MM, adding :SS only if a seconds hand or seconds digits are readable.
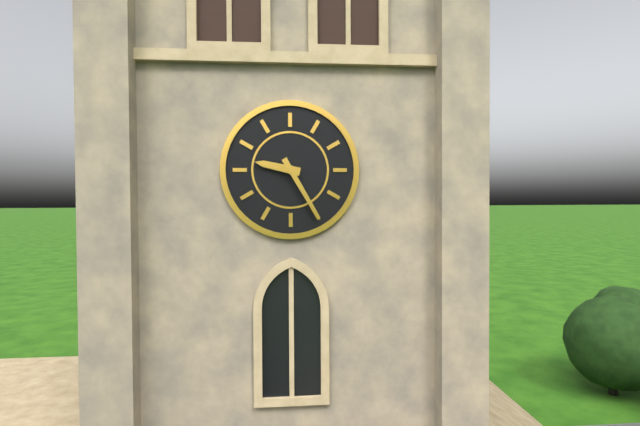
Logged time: 9:25
